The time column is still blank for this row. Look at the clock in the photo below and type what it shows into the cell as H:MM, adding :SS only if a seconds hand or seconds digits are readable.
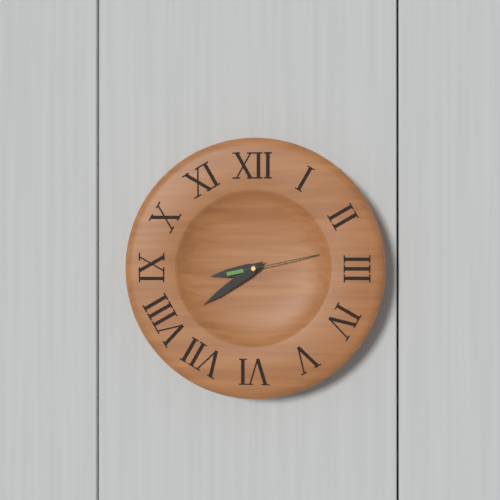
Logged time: 8:39:13
